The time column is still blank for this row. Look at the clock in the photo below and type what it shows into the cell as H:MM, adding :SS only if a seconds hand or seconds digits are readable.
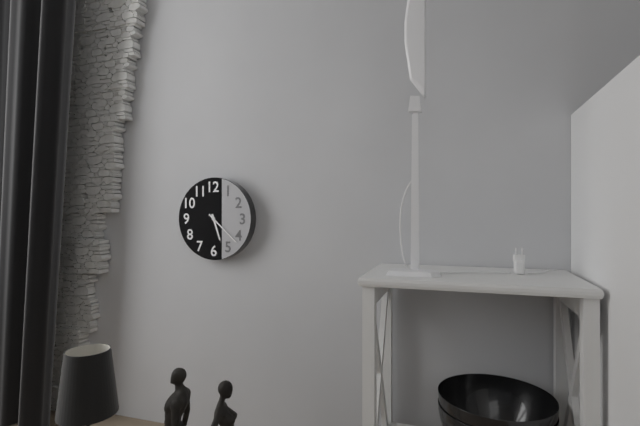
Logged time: 5:22
